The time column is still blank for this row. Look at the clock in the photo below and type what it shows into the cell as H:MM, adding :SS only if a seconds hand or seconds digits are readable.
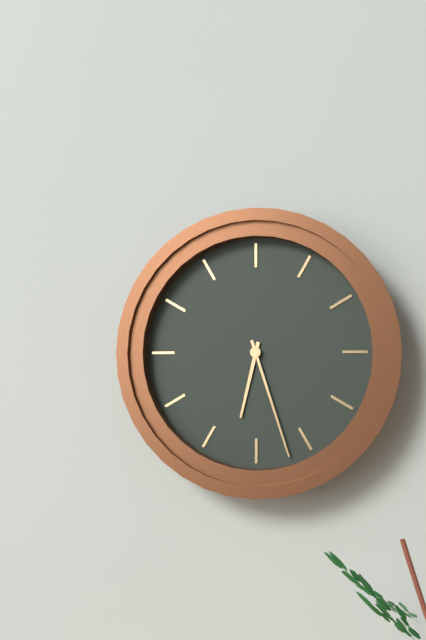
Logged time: 6:27
